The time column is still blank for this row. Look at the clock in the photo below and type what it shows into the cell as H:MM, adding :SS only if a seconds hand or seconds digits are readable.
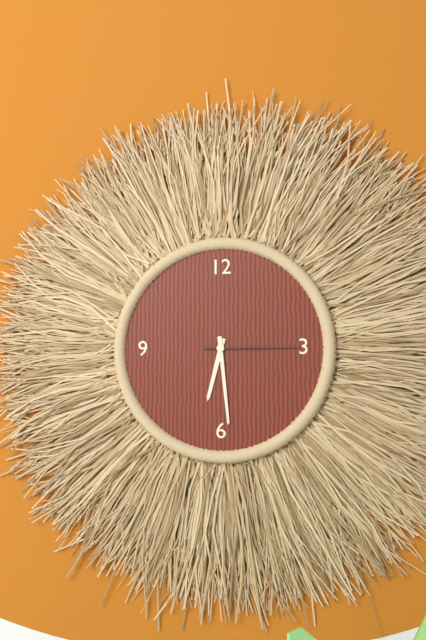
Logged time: 6:29:15
